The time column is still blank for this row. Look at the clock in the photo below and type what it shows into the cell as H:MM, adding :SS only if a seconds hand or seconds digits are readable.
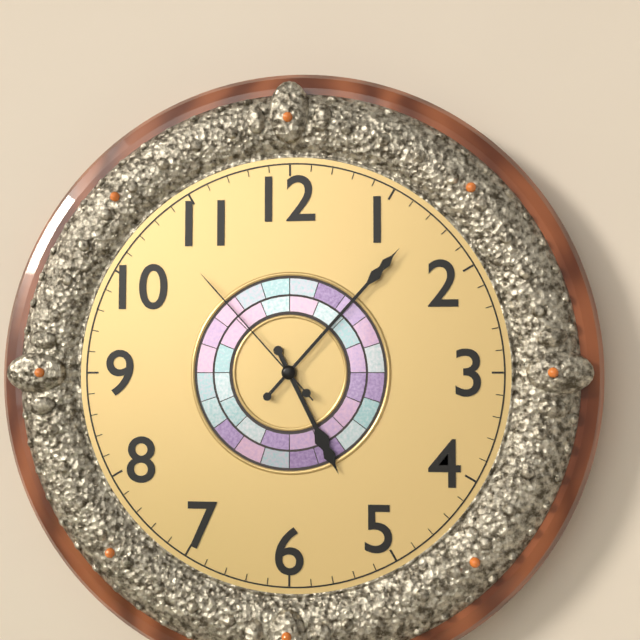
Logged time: 5:07:53
